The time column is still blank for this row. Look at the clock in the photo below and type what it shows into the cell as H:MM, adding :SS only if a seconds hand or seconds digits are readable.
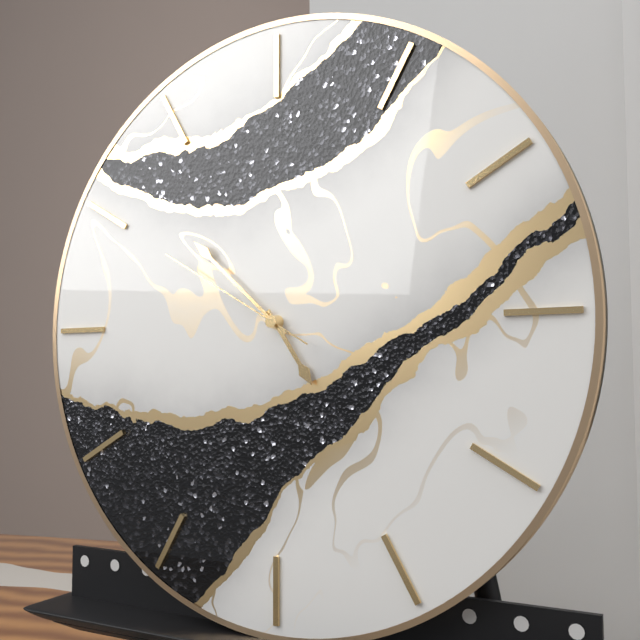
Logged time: 4:52:50
